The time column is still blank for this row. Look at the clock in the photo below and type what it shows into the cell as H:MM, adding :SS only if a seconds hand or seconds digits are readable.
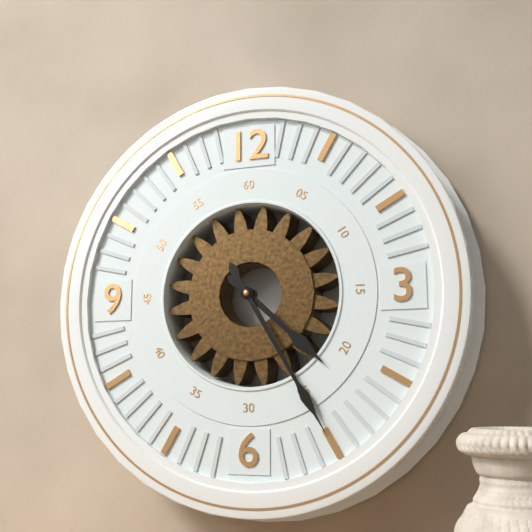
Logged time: 4:25
